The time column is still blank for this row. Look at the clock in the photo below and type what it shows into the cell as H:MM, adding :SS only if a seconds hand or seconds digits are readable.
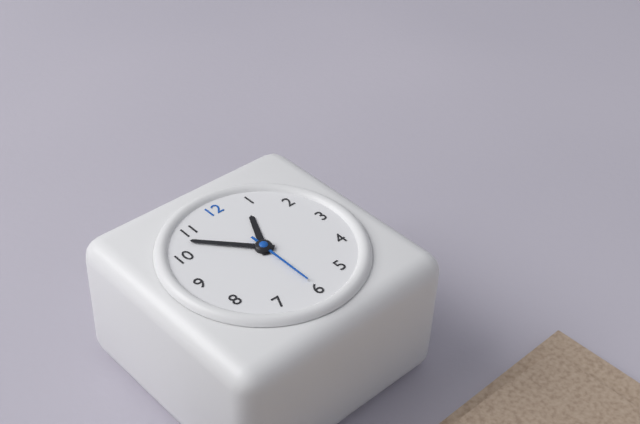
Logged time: 12:53:30
